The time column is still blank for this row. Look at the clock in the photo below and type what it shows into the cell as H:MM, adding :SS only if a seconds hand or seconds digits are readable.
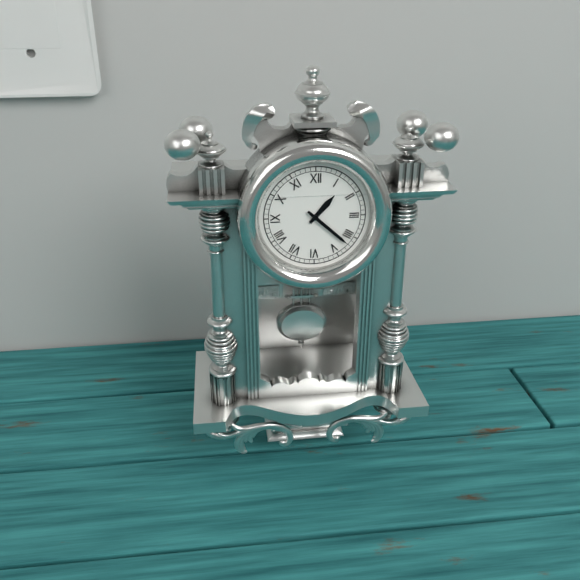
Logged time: 1:22
